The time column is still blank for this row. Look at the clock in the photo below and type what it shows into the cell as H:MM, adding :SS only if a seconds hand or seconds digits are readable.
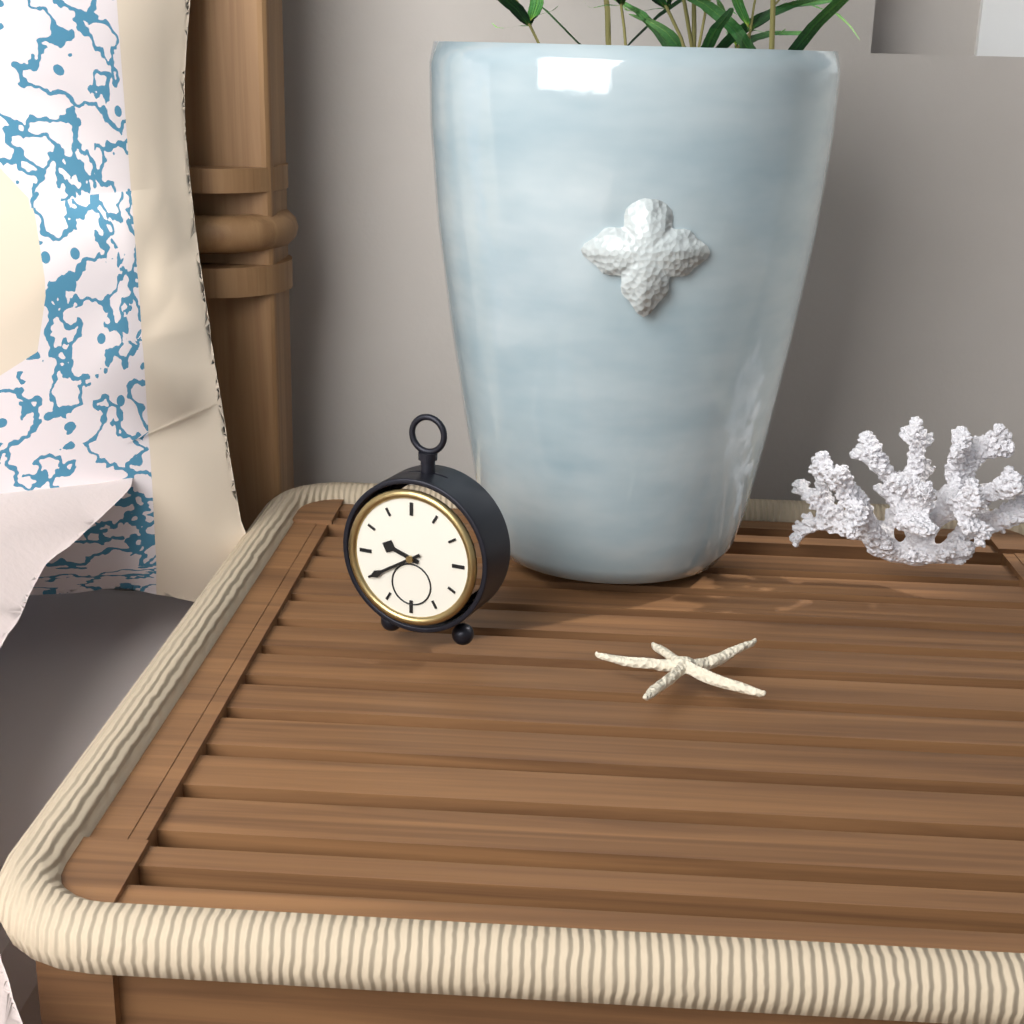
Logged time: 9:40
